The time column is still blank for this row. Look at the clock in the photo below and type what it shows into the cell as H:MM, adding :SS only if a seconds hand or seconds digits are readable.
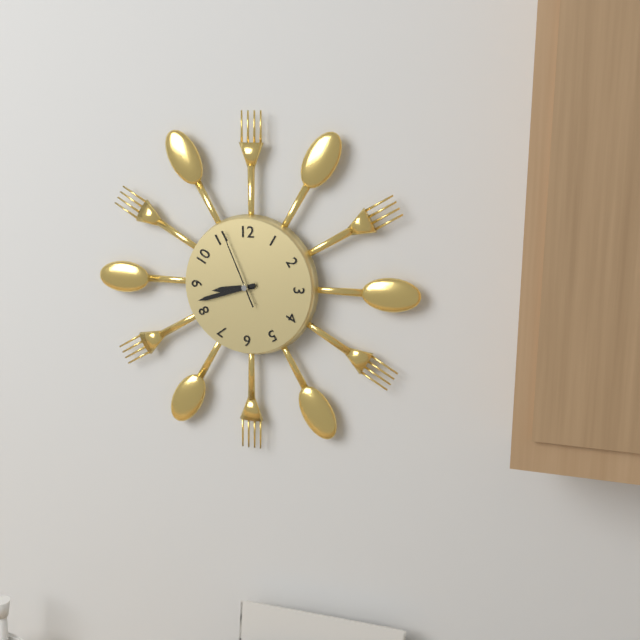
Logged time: 8:42:56
